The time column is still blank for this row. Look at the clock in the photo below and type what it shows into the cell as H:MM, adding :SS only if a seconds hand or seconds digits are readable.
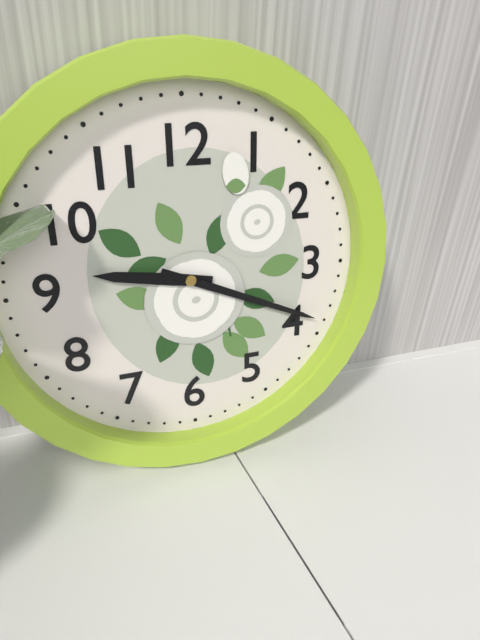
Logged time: 9:19
